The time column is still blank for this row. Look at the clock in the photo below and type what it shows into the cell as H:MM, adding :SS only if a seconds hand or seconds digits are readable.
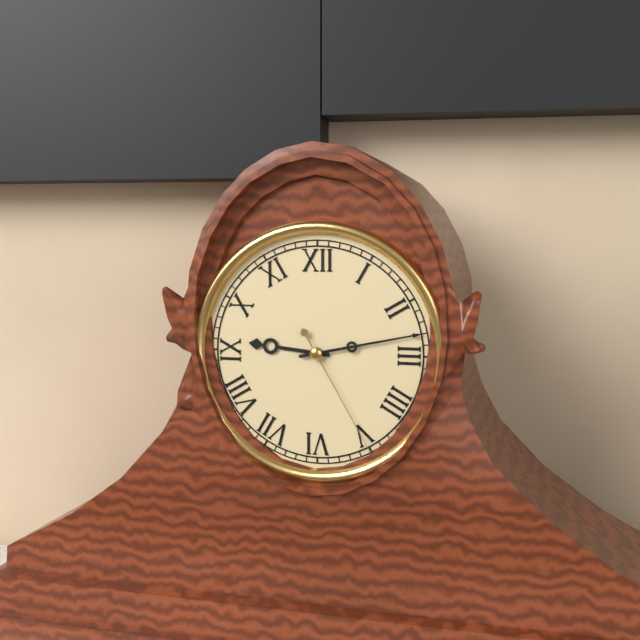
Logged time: 9:13:25
